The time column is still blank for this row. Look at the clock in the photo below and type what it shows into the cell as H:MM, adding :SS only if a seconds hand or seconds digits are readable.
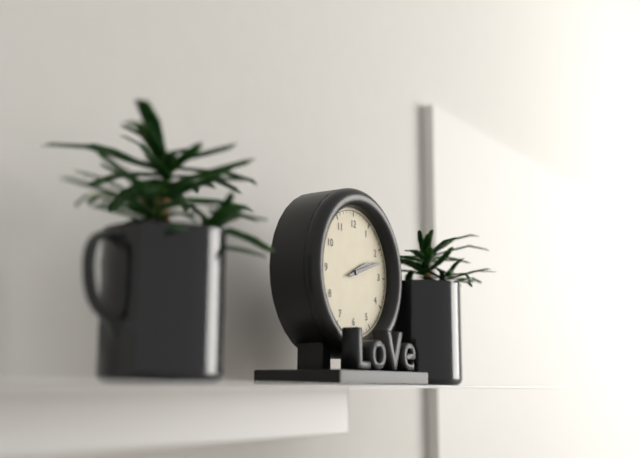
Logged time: 2:12
